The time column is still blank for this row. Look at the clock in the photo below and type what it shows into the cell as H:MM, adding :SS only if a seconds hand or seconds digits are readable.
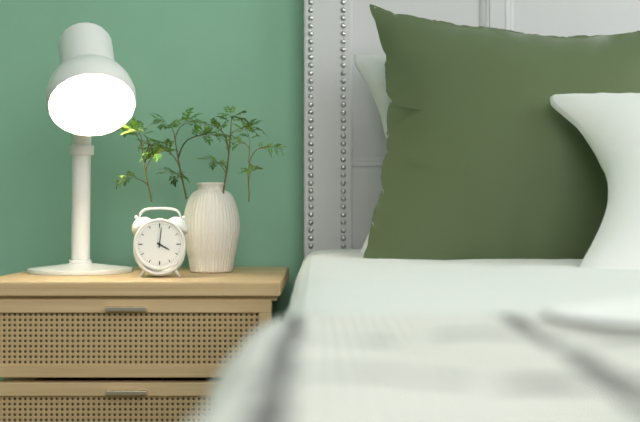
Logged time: 4:01
